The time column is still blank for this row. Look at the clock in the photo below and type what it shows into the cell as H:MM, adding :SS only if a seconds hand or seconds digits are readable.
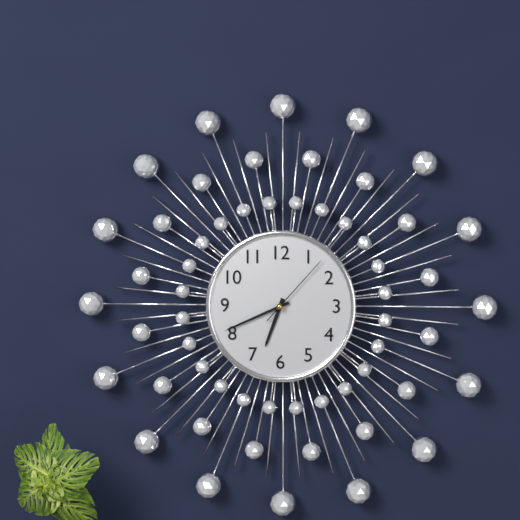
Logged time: 6:41:07
